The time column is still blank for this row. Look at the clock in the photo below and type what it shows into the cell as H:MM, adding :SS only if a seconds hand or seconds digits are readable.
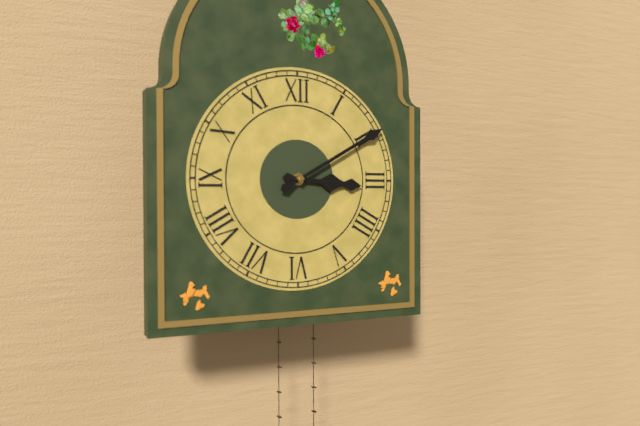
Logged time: 3:10
